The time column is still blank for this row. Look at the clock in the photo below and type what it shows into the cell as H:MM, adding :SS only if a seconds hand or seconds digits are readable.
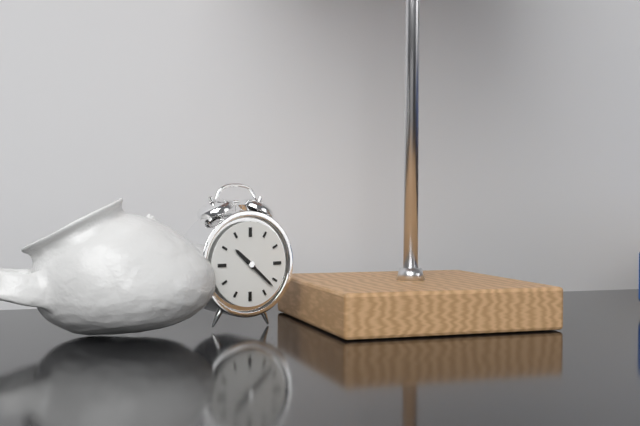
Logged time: 10:22
